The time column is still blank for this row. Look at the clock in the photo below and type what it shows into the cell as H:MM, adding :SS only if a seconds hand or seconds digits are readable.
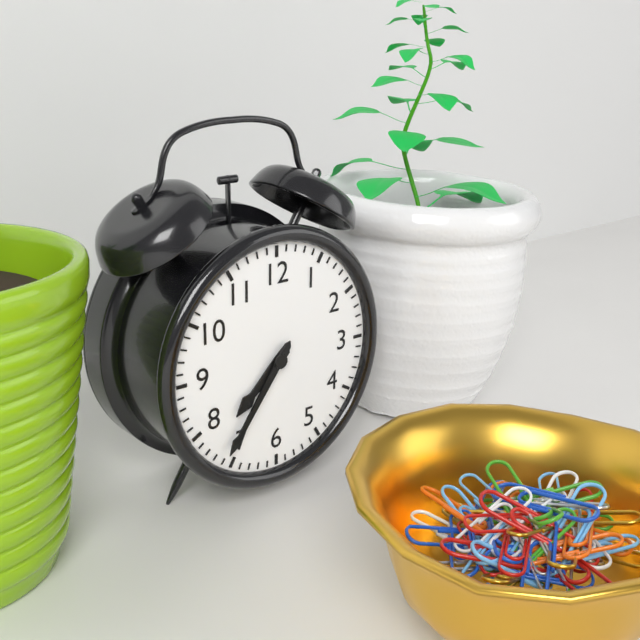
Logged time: 7:36
